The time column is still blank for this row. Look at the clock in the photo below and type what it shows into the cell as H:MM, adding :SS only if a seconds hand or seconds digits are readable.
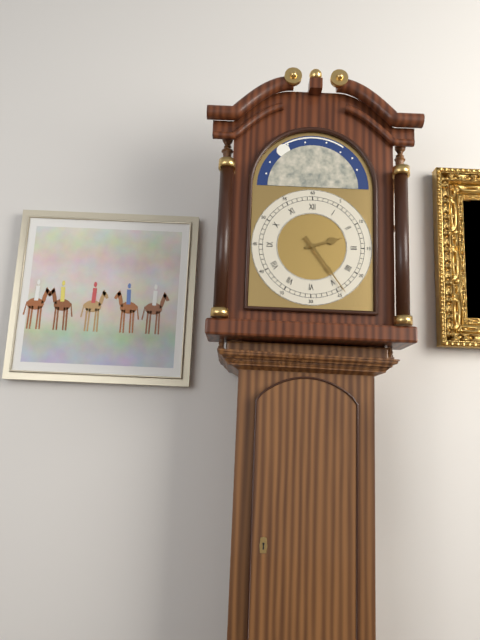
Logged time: 2:24
